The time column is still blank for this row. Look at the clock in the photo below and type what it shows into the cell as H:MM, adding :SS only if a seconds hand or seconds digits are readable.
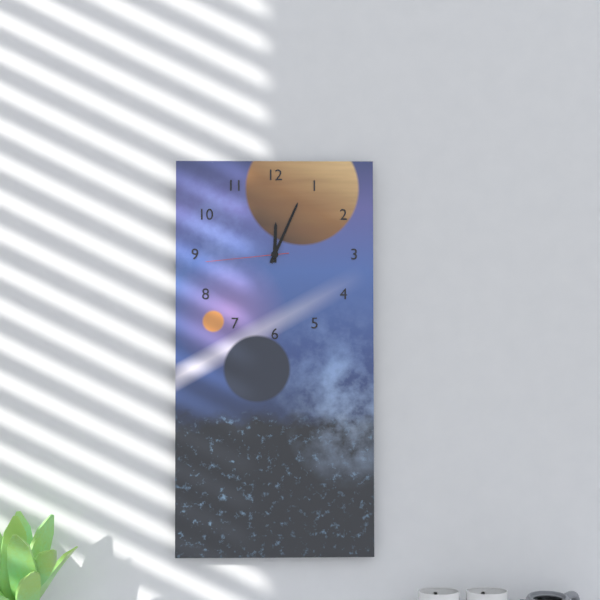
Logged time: 12:04:44
